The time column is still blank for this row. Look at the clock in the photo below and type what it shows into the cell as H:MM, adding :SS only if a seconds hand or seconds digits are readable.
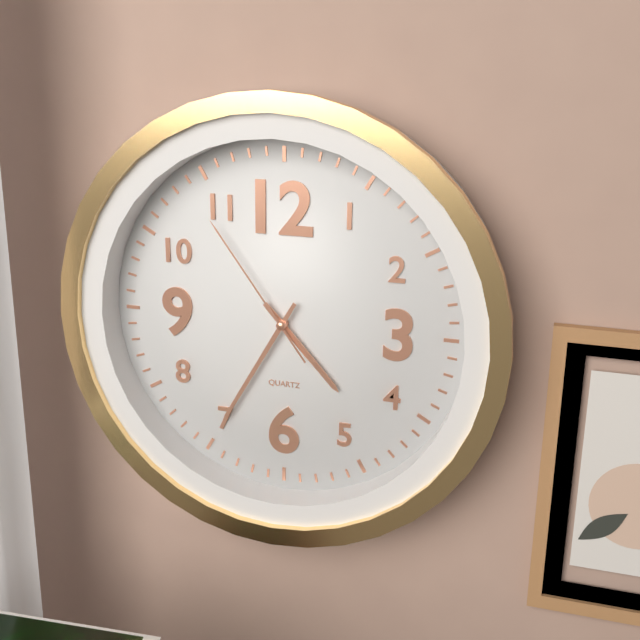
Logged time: 4:35:54
